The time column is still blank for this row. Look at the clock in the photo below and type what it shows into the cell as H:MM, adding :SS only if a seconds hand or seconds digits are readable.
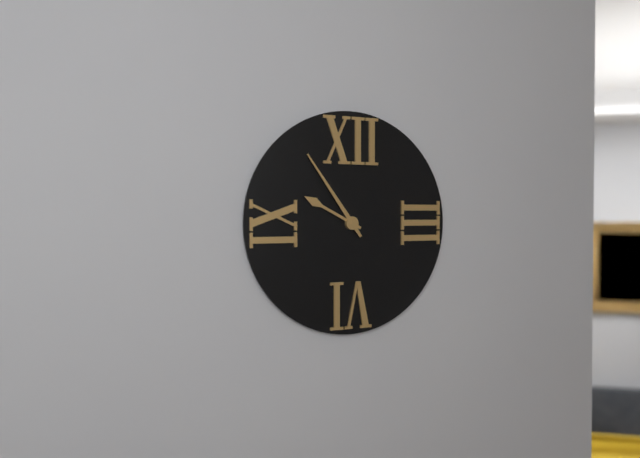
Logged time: 9:54
